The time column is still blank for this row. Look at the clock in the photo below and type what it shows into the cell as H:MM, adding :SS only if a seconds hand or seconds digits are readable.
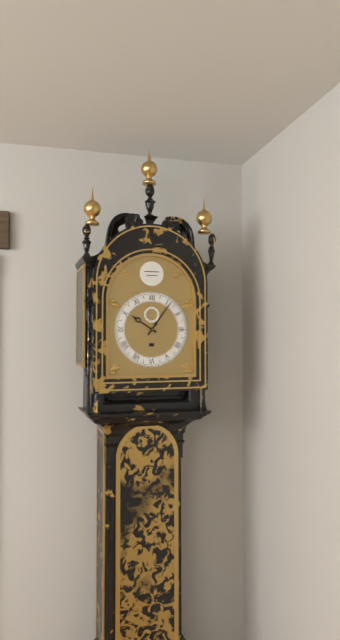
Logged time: 10:06
